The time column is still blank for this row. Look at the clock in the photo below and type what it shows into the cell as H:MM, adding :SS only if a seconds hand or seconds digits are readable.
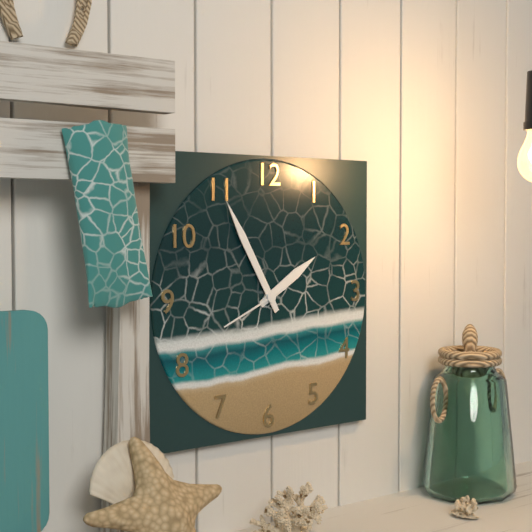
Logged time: 1:55:41
